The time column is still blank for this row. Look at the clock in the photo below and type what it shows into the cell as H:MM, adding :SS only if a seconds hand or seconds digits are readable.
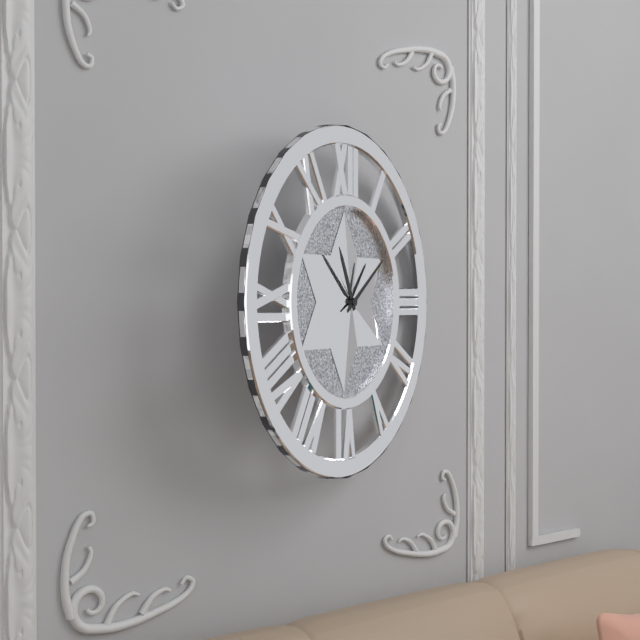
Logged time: 11:09
